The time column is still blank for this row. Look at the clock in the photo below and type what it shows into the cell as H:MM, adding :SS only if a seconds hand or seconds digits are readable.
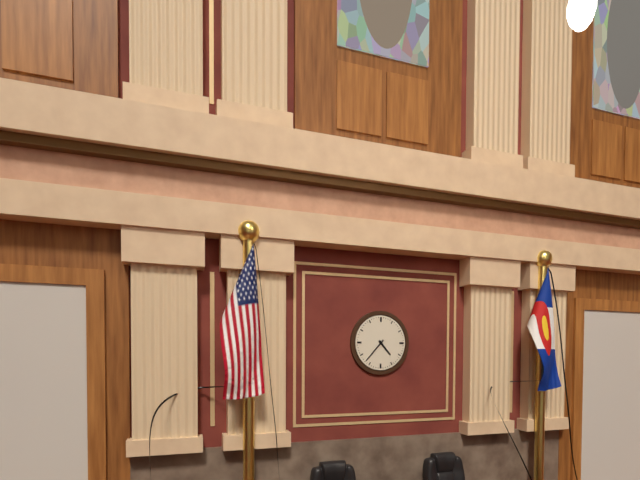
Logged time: 4:37
